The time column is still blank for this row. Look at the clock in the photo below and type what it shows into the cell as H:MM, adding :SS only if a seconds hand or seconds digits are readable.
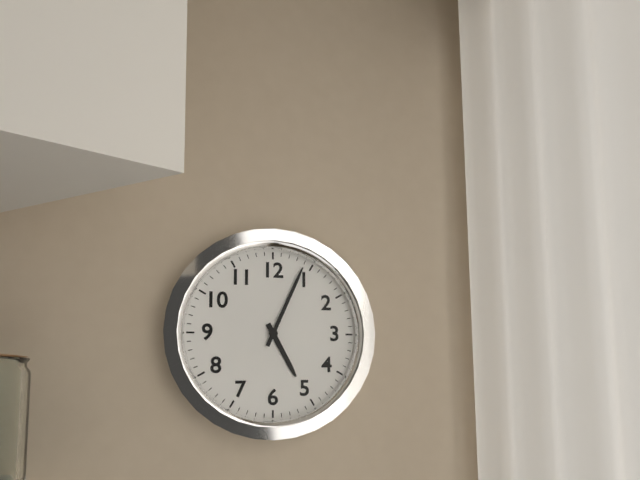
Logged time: 5:04
